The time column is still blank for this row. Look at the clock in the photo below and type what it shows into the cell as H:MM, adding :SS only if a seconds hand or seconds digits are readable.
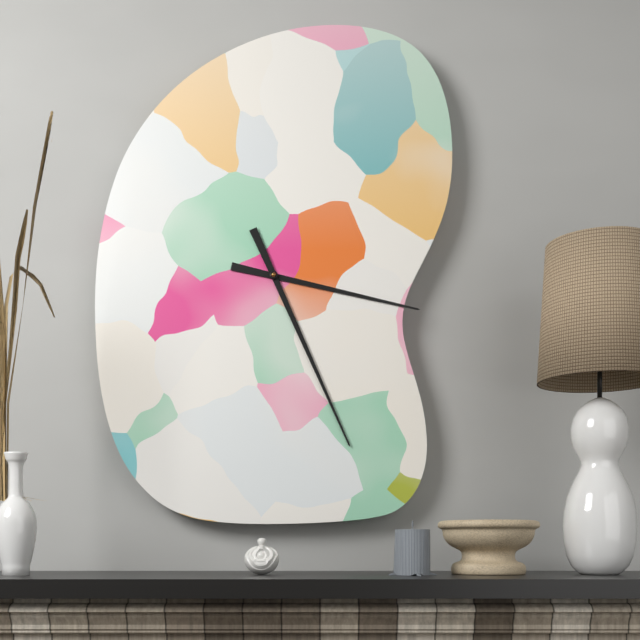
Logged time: 3:26
